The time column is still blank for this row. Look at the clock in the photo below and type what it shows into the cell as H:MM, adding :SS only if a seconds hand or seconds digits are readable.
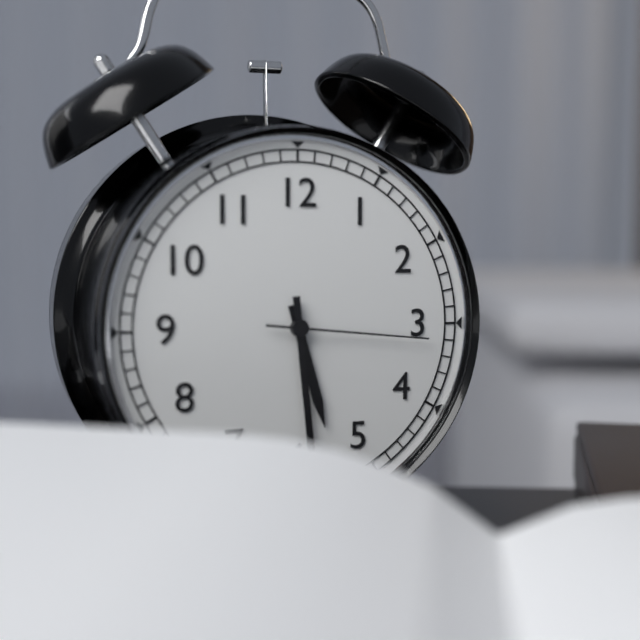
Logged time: 5:29:16
